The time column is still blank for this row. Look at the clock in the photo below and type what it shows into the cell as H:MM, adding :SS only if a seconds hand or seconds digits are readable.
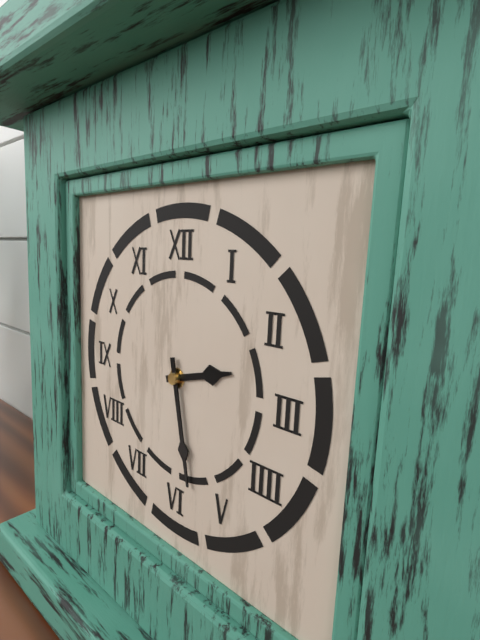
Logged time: 2:28
